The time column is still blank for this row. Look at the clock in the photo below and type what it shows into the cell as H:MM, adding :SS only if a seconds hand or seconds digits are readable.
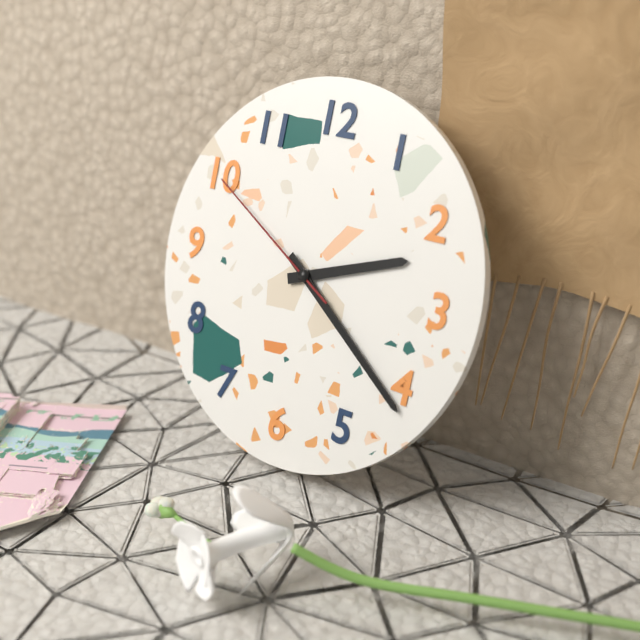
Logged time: 2:21:50
